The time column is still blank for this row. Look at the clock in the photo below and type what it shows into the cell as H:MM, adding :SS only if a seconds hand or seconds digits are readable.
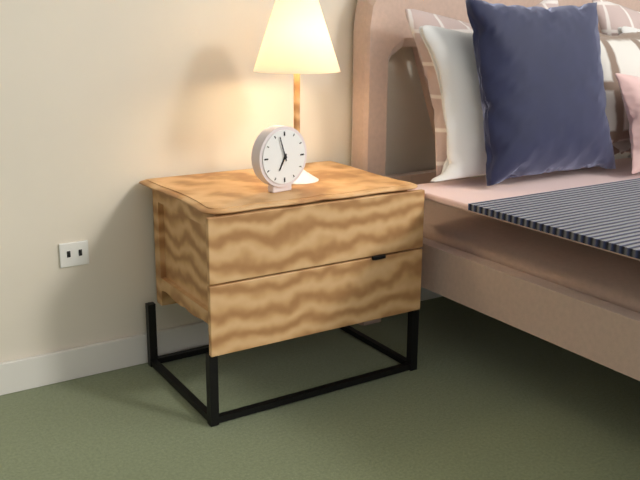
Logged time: 6:57
